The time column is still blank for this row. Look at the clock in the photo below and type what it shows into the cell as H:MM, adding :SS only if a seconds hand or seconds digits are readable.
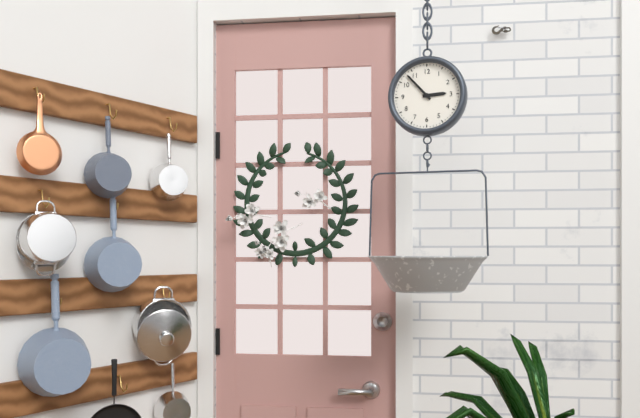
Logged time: 2:53
